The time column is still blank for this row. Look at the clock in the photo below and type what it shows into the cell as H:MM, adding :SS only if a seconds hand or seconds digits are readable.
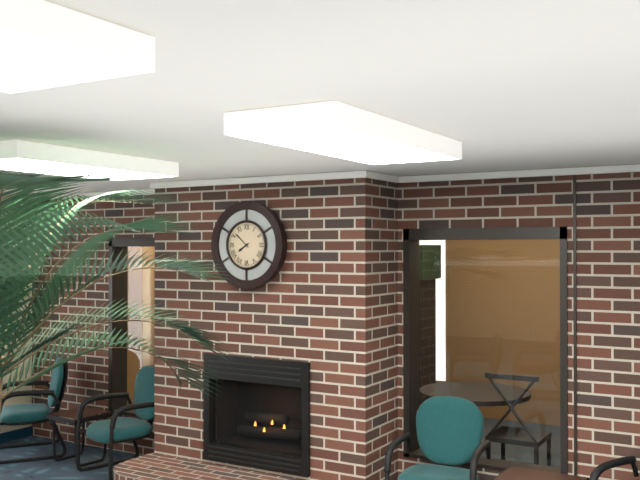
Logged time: 7:52
